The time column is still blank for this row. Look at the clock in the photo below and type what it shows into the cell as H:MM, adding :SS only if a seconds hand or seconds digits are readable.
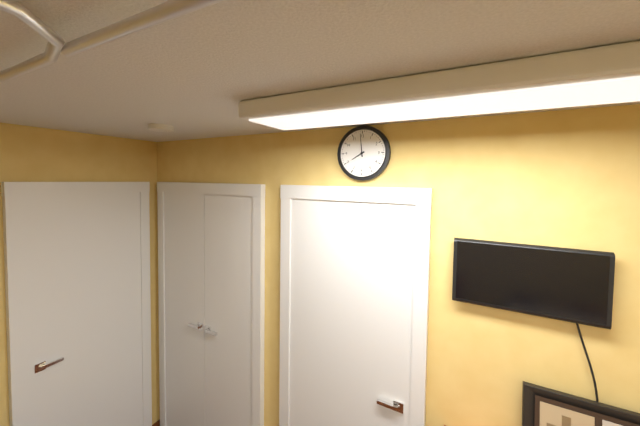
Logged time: 7:59
